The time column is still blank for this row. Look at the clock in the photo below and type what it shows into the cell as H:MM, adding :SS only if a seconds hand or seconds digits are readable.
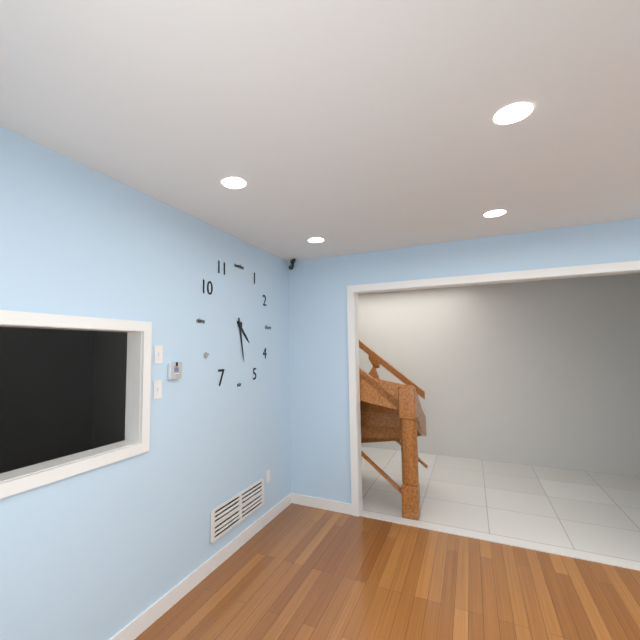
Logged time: 4:28
